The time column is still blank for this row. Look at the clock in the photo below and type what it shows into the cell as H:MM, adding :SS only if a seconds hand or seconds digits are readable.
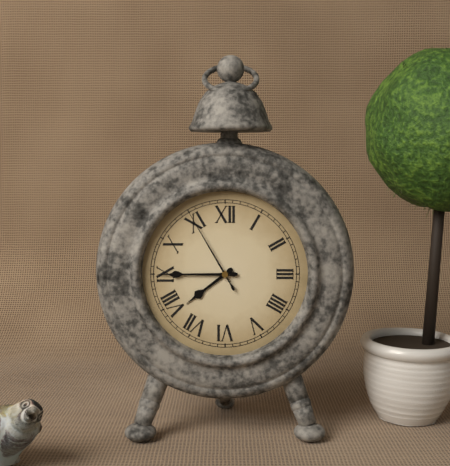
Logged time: 7:45:55
